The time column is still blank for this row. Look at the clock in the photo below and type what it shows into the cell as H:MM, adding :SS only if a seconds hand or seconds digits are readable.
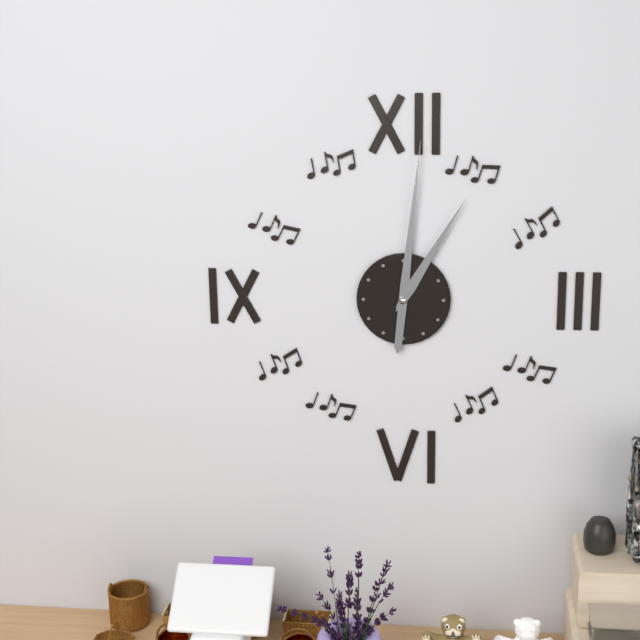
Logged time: 1:01
